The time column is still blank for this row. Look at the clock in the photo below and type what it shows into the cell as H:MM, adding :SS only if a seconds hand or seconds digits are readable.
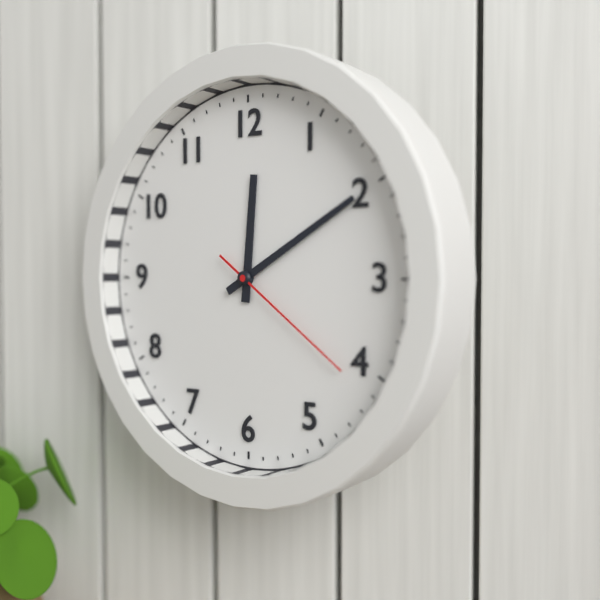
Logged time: 12:10:21
